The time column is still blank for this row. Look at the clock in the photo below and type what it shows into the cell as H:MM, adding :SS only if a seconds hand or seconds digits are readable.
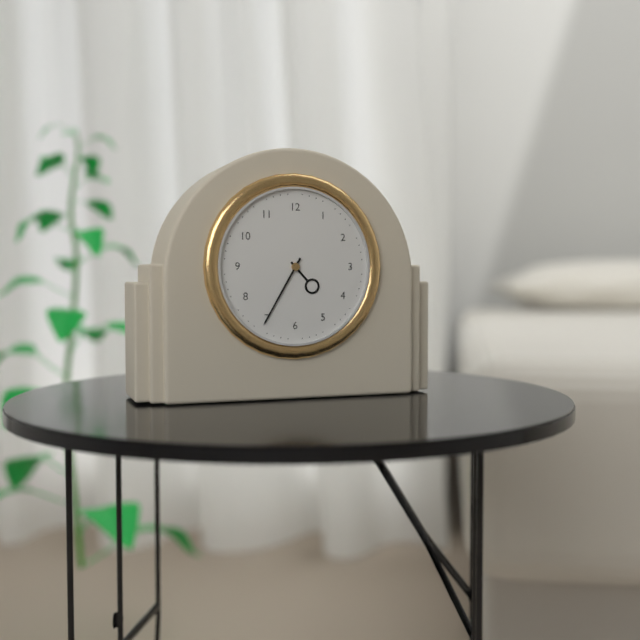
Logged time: 4:35
